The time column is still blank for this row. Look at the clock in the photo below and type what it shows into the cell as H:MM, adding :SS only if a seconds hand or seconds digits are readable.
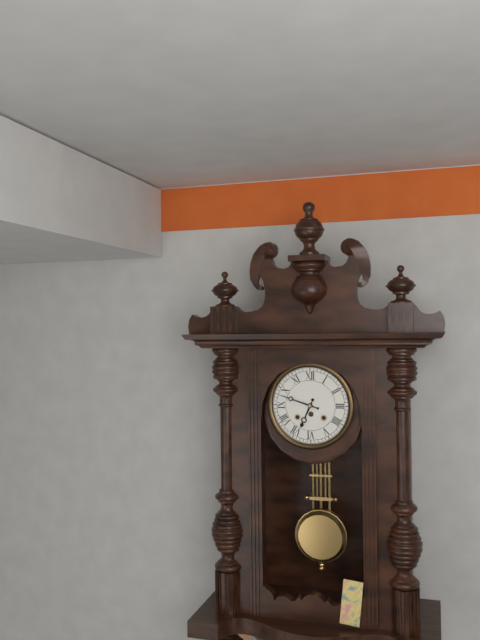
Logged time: 6:48
